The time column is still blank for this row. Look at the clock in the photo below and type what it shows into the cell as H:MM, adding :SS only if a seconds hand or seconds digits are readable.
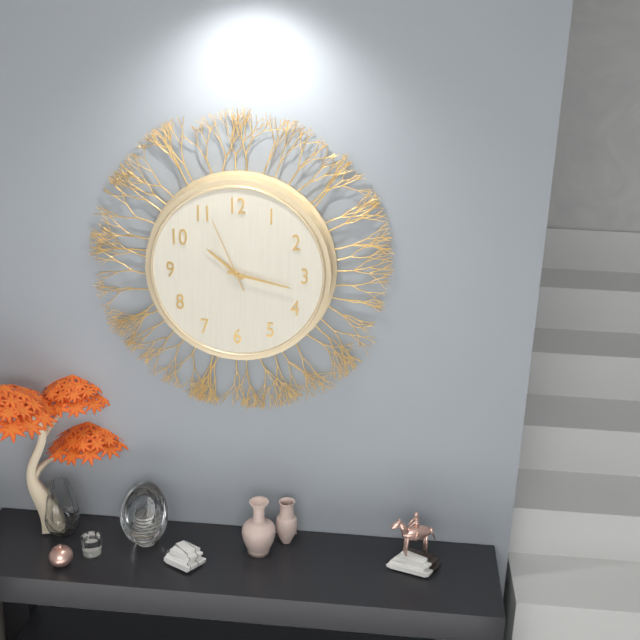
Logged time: 10:17:56
